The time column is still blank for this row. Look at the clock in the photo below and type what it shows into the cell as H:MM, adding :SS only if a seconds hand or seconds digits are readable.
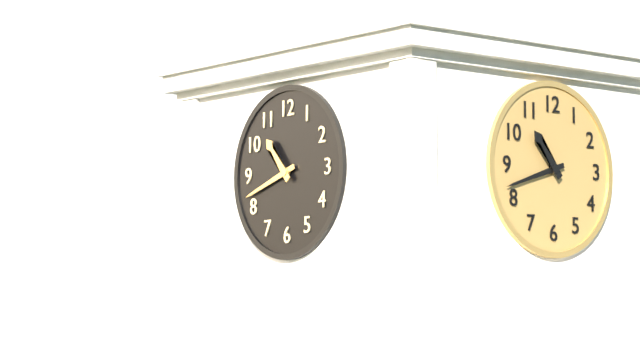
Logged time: 10:42
